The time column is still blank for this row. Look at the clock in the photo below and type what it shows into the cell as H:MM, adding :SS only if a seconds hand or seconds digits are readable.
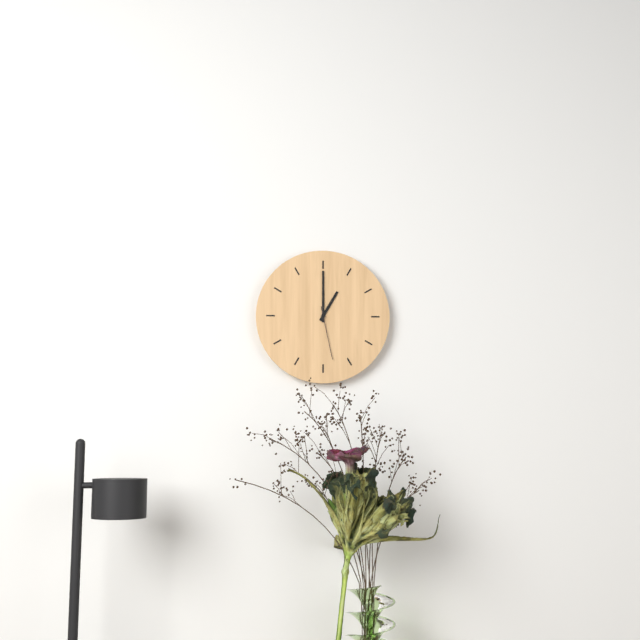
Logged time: 1:00:28
